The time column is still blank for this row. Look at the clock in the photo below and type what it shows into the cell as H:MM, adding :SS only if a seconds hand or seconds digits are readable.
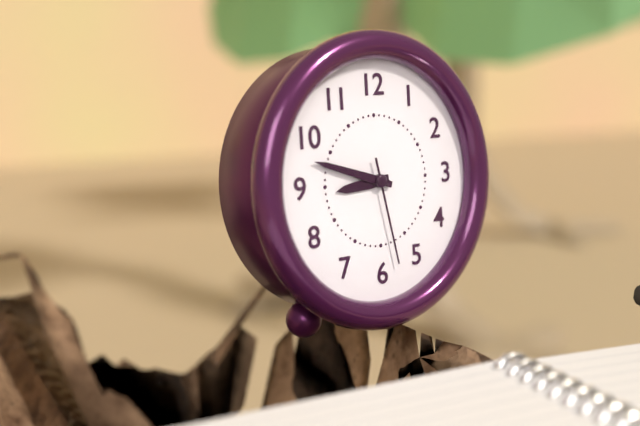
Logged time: 8:48:28
